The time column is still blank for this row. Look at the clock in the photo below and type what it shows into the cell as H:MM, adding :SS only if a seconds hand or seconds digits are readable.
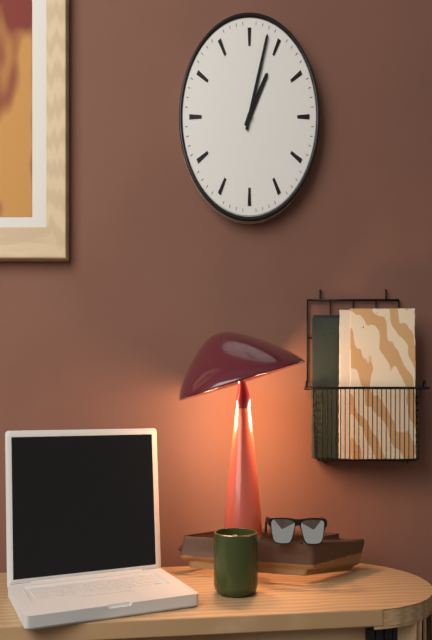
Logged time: 1:03
